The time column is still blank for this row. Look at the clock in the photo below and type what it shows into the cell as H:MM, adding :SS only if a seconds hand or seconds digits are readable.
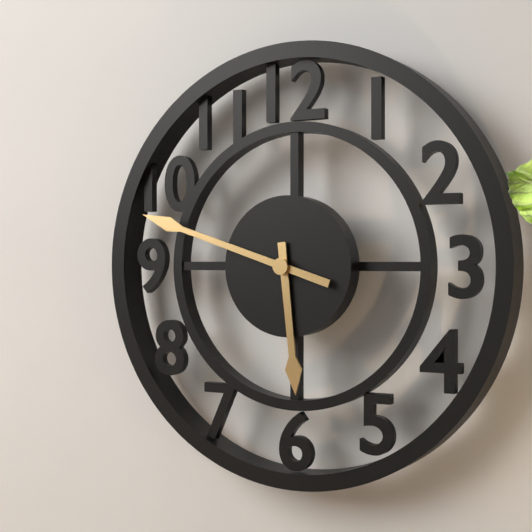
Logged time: 5:48
